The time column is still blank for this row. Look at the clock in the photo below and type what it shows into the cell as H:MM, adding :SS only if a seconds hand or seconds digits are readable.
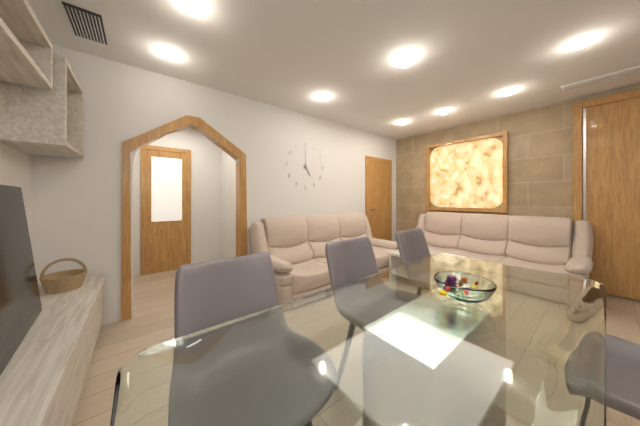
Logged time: 5:00
